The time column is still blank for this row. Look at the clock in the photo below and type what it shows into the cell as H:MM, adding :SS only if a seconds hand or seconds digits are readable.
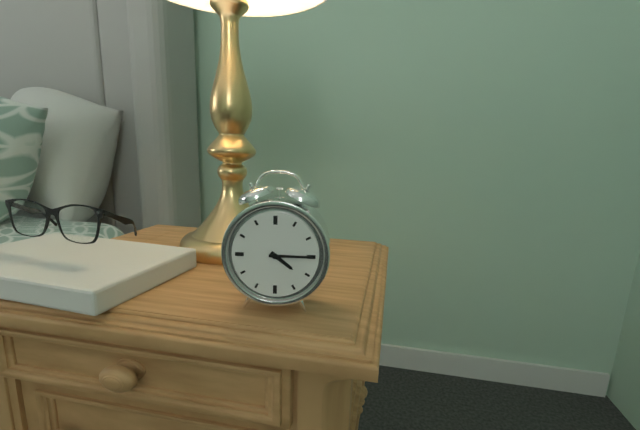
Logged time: 4:15
